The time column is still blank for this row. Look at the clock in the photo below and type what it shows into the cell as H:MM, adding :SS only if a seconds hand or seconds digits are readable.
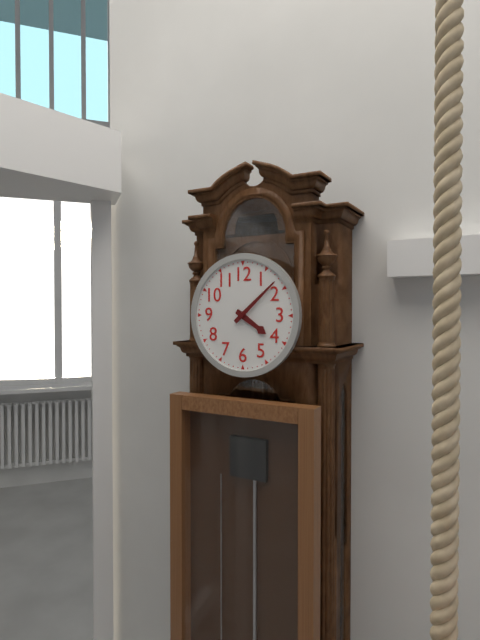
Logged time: 4:08
